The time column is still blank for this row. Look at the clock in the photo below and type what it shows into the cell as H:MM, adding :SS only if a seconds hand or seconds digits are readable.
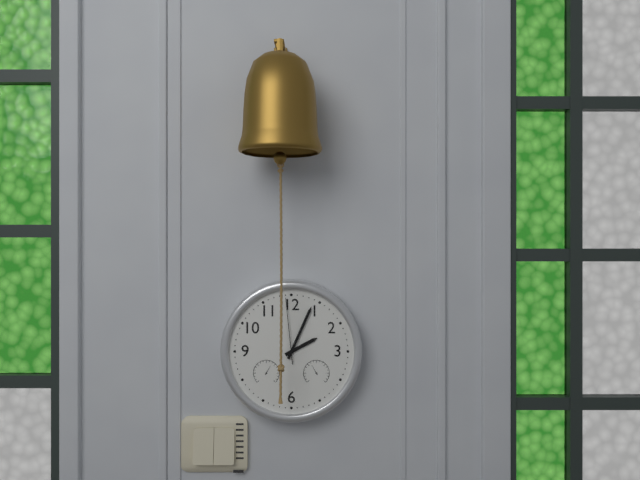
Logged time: 2:04:59
